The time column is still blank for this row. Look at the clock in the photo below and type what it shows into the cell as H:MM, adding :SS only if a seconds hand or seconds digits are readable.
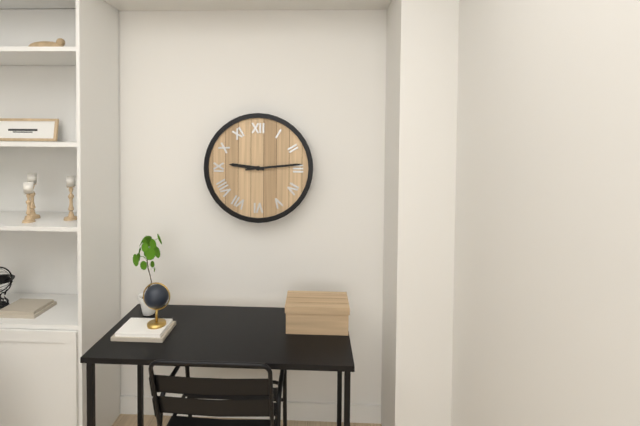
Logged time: 9:14
